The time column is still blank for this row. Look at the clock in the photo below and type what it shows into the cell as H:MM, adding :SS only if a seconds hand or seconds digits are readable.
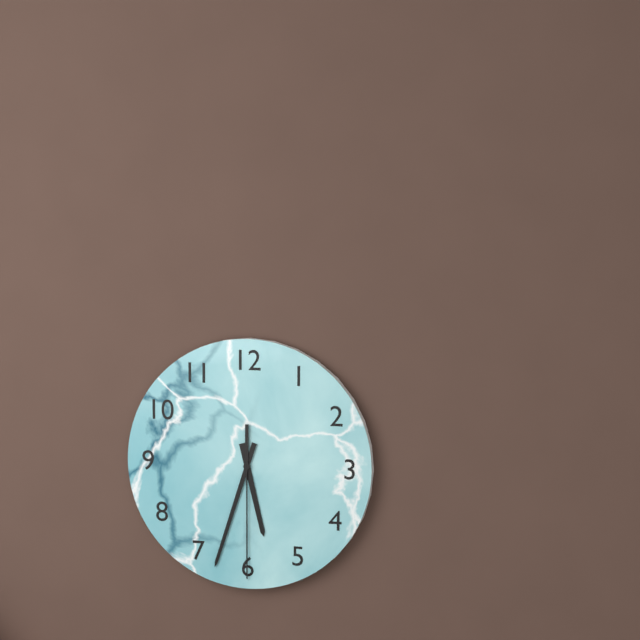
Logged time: 5:33:30
